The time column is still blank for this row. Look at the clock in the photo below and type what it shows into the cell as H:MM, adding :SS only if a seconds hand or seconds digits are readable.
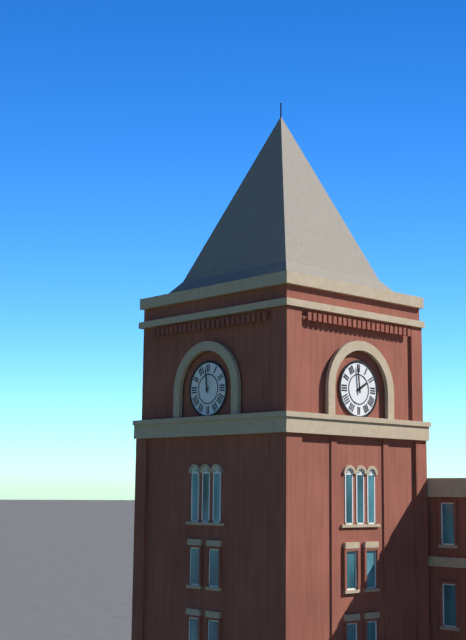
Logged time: 1:59
